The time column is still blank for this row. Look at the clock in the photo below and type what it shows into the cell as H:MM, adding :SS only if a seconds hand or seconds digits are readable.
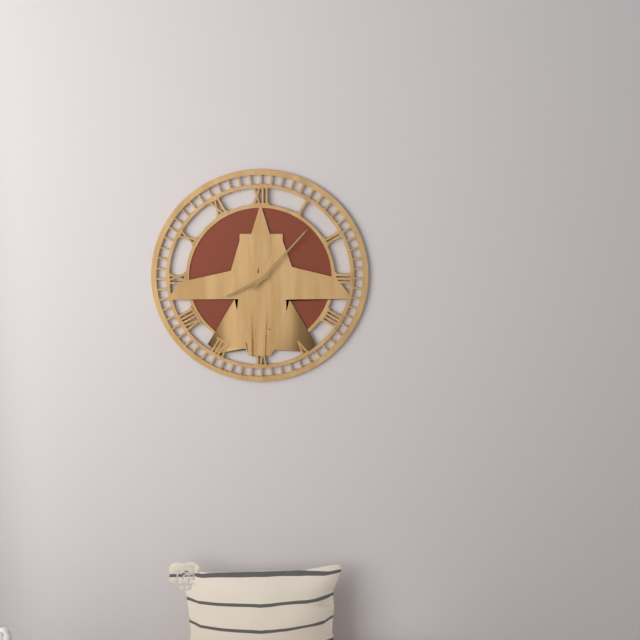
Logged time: 8:07
